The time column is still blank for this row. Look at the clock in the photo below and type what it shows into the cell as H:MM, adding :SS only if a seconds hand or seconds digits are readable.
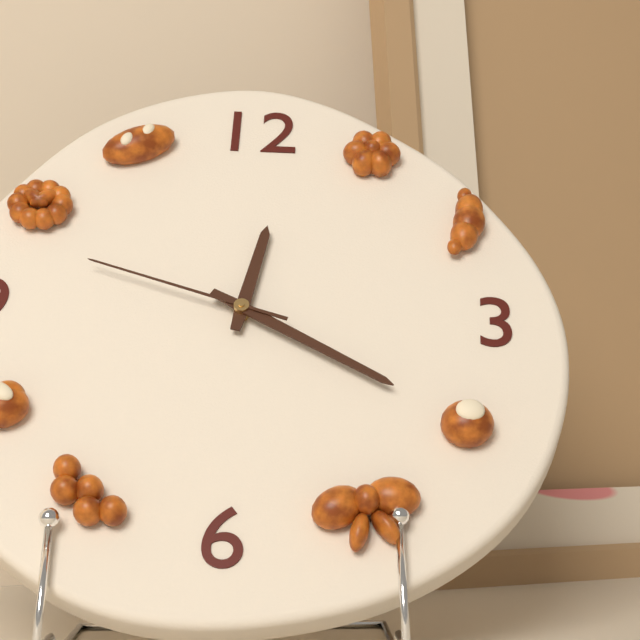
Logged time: 12:20:48
